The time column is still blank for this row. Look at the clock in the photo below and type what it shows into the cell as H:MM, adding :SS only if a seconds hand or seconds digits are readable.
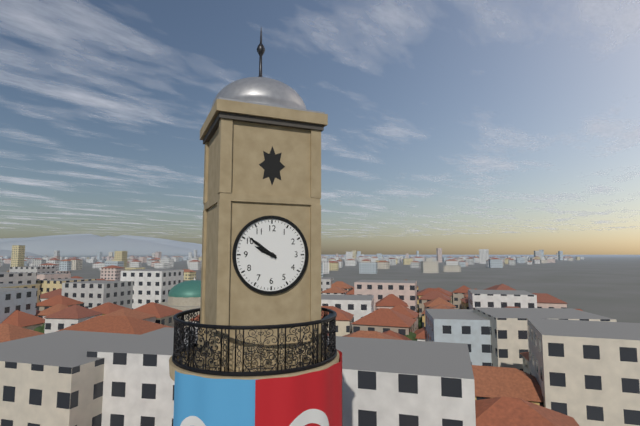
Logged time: 9:51
